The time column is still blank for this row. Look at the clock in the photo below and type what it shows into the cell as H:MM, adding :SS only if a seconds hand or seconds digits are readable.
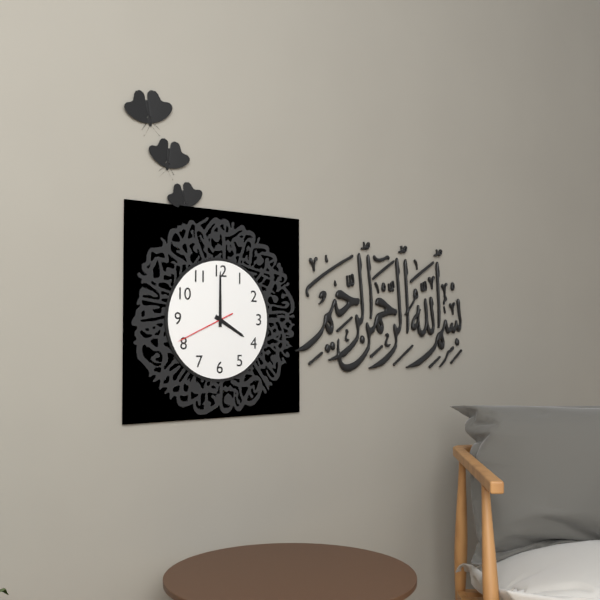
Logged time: 4:00:41
